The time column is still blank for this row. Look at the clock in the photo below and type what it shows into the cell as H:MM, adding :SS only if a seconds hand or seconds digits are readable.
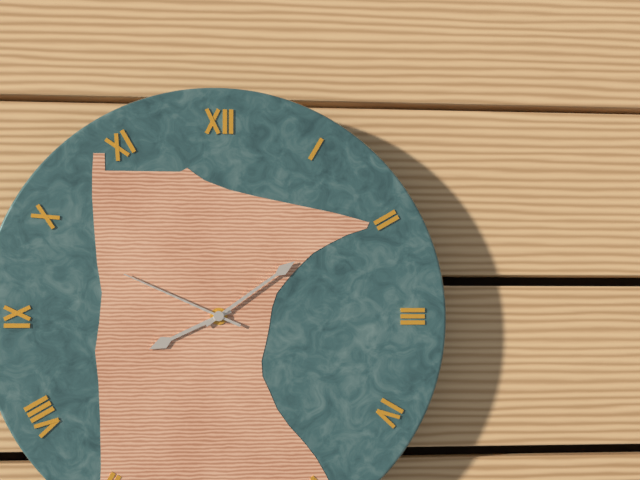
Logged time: 8:09:49
